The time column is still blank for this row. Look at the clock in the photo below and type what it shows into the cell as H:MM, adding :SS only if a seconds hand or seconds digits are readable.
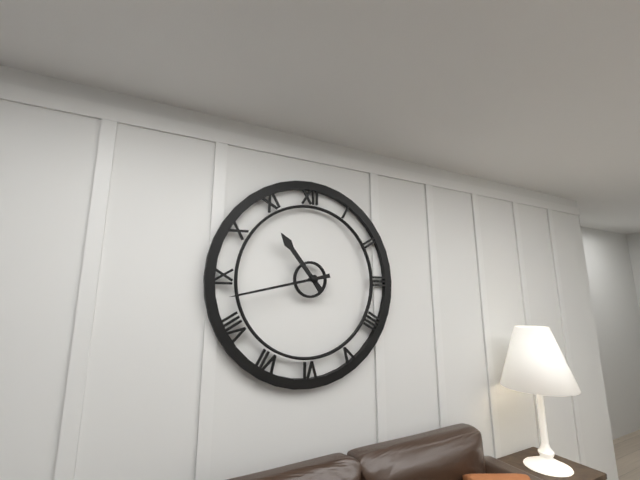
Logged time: 10:43
